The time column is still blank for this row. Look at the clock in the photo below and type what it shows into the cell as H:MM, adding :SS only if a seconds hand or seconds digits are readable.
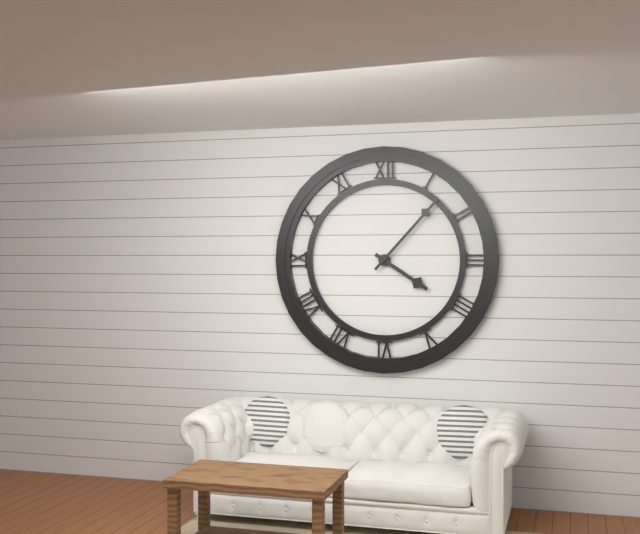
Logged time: 4:07
